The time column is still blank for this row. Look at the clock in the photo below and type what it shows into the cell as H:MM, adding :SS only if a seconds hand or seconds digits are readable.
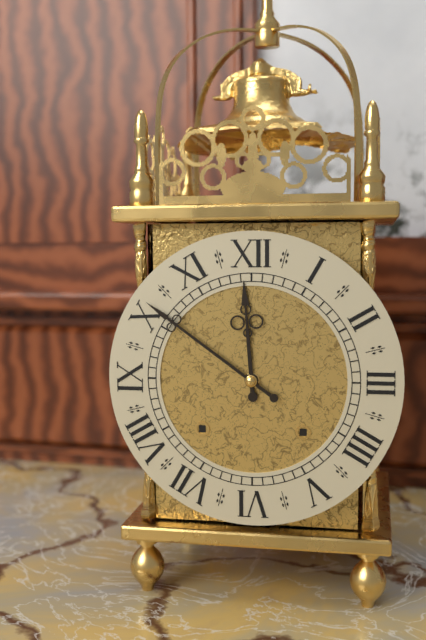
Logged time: 11:51
